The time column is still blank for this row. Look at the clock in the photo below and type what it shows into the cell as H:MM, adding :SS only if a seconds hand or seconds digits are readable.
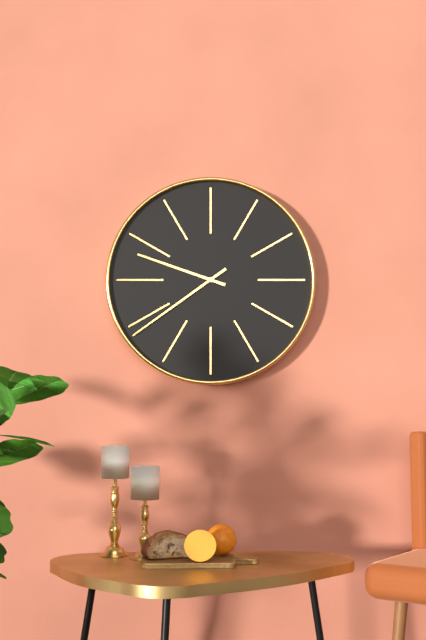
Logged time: 9:39
